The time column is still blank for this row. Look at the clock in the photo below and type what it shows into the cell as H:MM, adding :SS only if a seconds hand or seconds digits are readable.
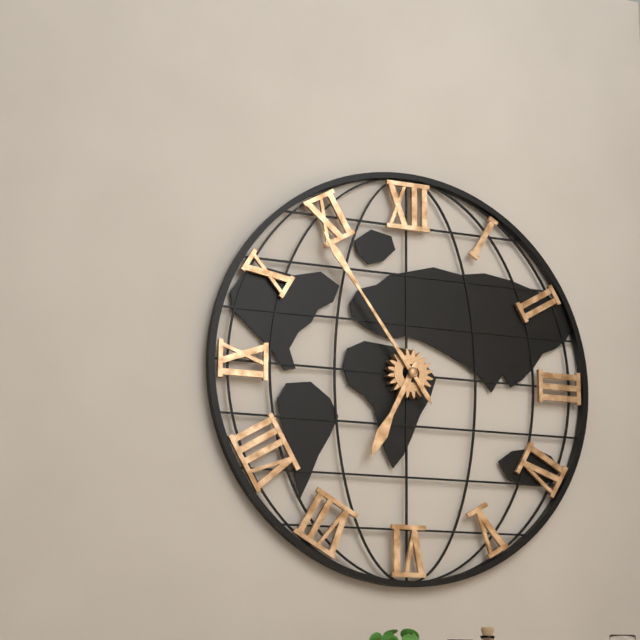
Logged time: 6:54
